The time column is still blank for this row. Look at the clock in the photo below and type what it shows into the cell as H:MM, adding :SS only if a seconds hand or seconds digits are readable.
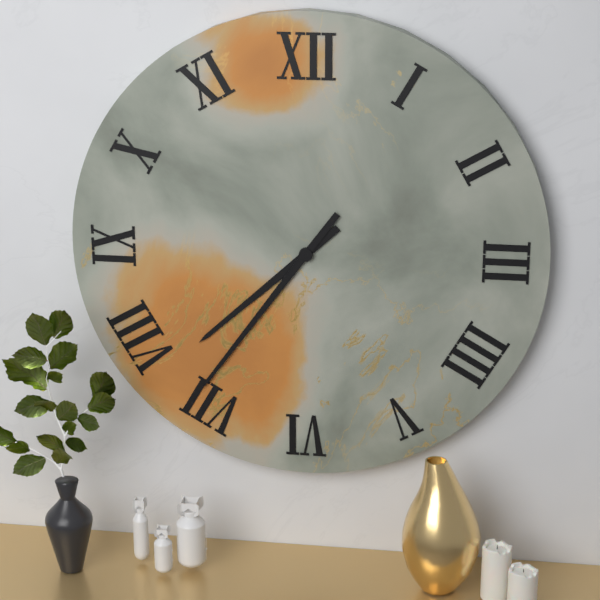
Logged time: 7:36
